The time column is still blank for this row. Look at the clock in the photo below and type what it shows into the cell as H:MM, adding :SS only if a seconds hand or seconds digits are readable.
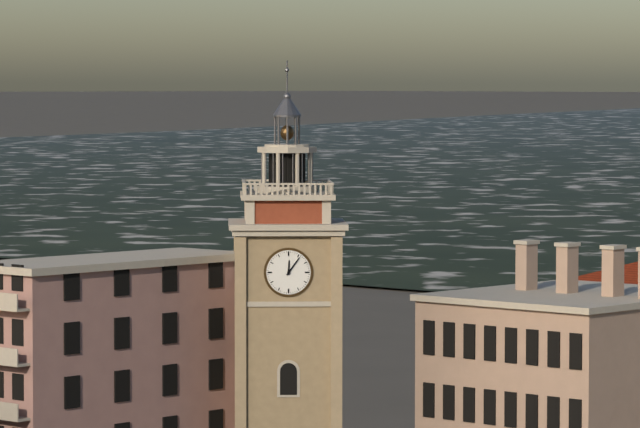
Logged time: 12:06
